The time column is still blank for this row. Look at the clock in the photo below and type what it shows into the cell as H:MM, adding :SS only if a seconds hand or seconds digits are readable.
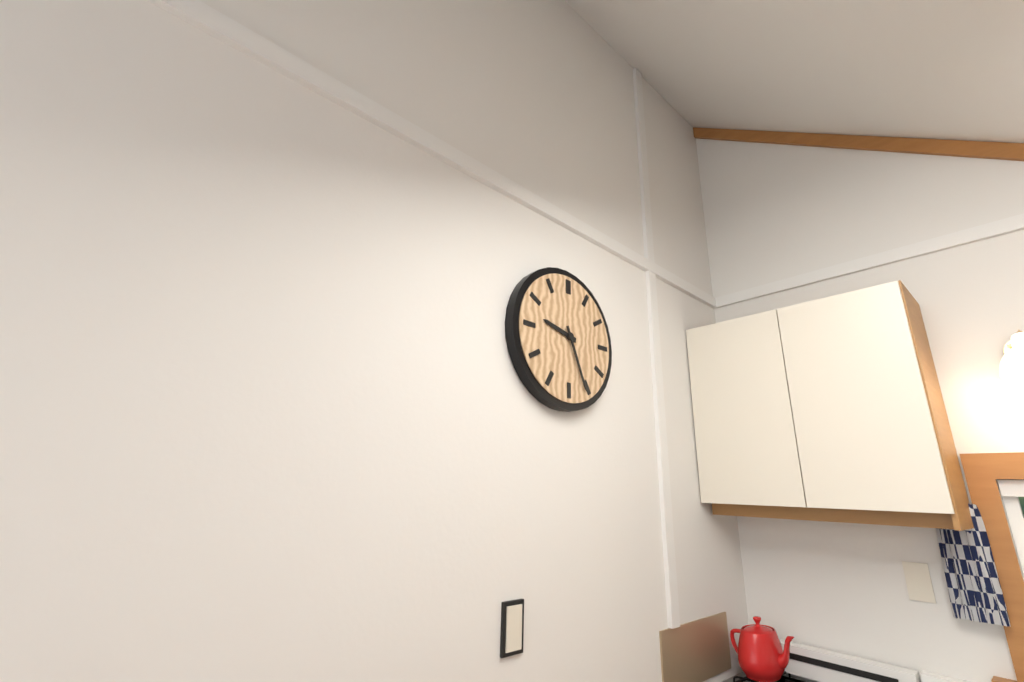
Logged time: 9:26
